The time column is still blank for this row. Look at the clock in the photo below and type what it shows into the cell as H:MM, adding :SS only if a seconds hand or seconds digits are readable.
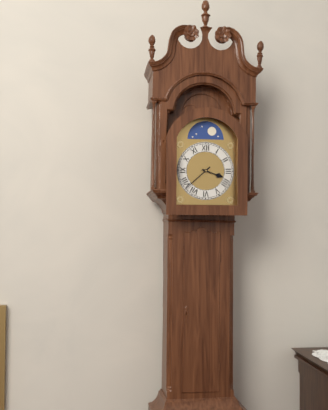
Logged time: 3:38
